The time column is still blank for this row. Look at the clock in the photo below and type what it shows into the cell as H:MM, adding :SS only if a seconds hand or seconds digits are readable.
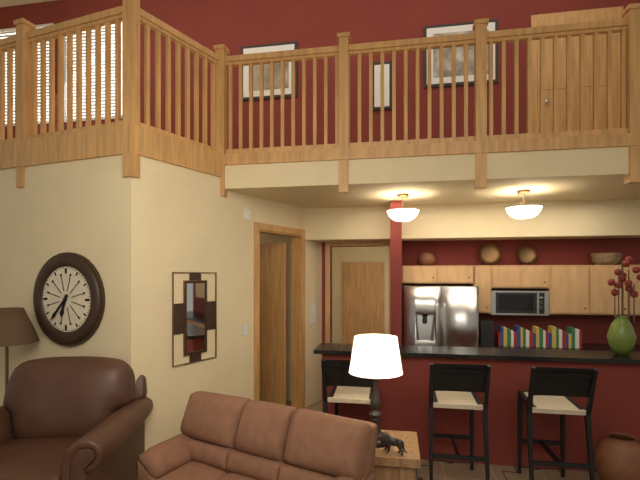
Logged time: 6:37
